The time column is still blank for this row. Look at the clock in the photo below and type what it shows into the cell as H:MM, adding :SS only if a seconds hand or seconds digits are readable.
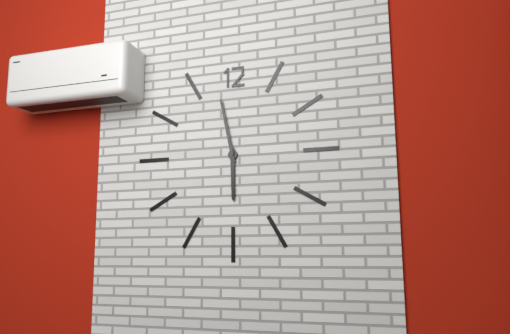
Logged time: 5:58
